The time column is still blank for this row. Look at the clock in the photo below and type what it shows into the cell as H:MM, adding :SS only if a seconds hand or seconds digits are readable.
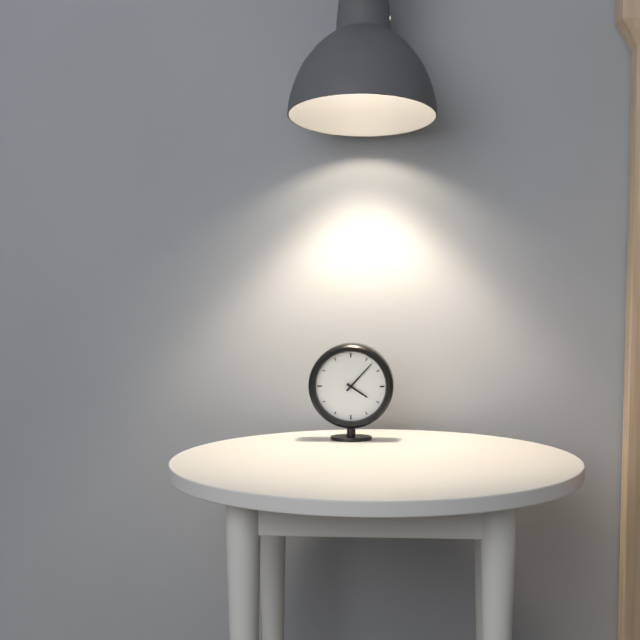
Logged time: 4:07
